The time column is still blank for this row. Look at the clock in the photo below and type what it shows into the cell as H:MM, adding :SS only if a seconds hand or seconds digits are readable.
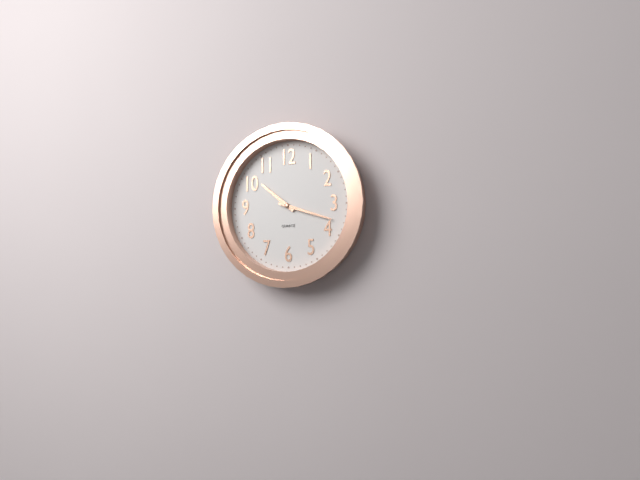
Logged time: 10:18
